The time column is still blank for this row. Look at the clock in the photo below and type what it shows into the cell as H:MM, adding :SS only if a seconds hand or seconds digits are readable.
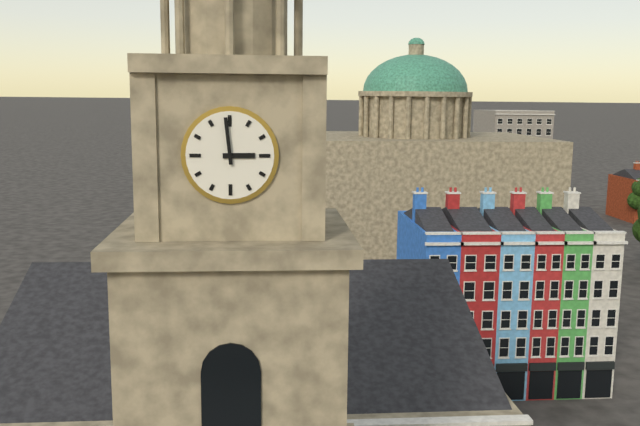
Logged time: 2:59
